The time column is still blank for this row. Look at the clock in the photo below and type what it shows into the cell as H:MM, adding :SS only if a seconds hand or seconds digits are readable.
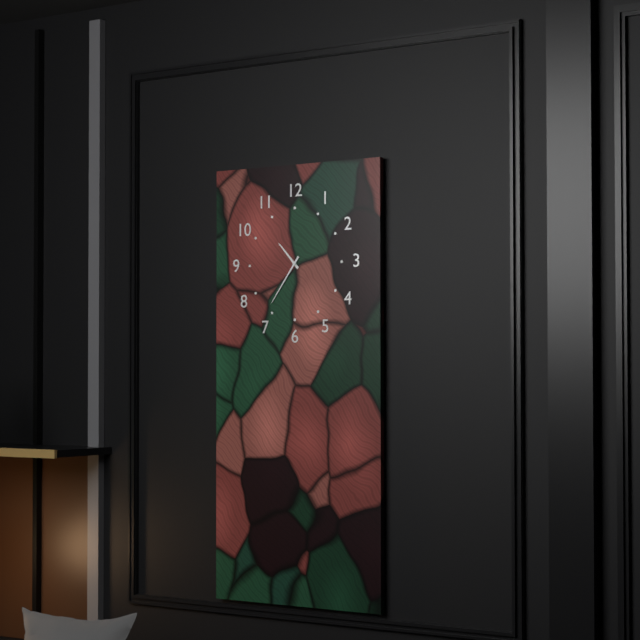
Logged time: 10:36
